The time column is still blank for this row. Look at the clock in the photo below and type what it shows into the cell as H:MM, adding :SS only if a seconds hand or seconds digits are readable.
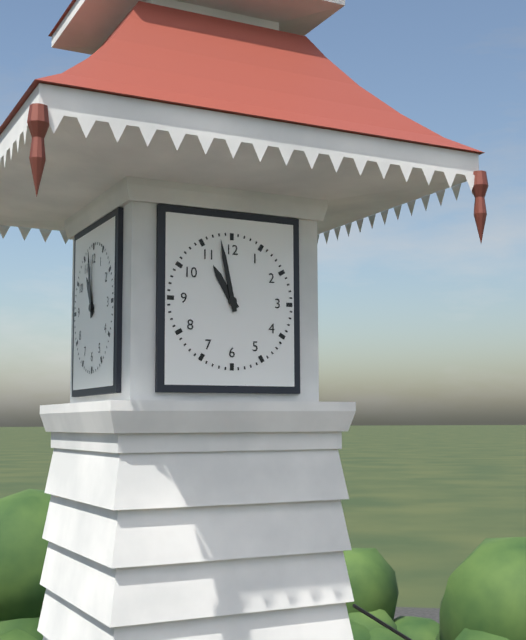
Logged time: 10:58
